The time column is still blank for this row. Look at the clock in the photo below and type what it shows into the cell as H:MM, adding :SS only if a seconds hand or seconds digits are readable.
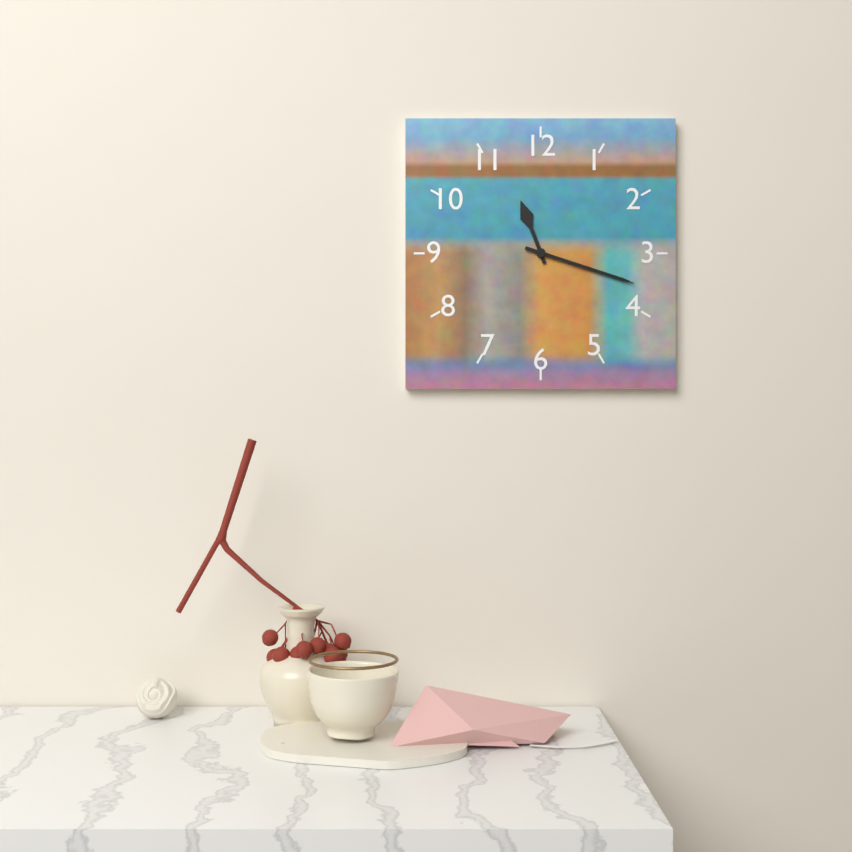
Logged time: 11:18
